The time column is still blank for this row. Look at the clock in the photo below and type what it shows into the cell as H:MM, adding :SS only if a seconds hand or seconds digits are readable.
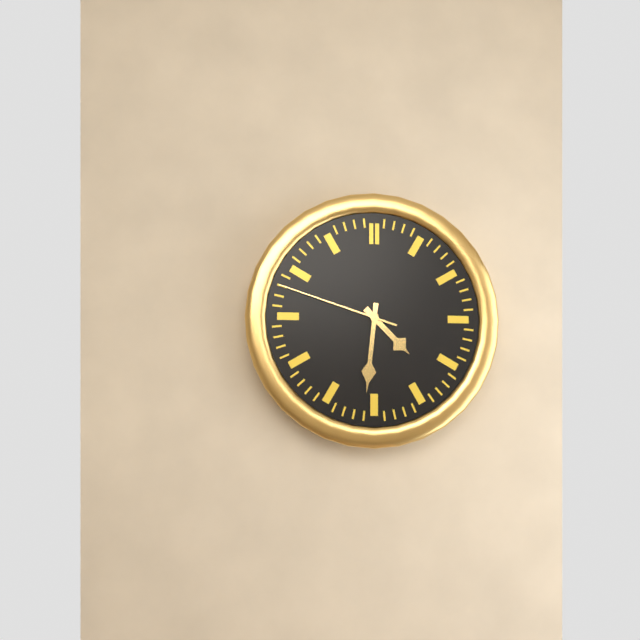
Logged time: 4:31:48
